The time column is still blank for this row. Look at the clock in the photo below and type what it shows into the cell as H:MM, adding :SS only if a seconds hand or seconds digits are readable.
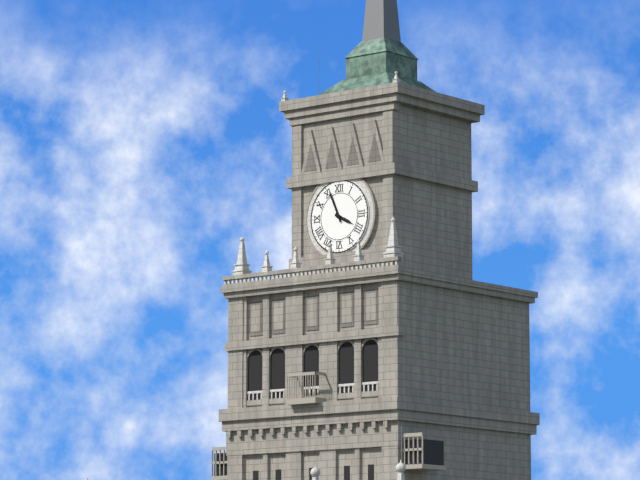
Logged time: 3:56
